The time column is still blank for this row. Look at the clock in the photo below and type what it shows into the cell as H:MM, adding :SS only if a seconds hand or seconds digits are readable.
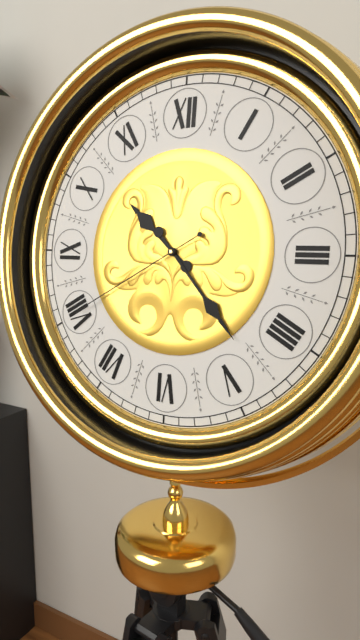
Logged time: 10:23:40
